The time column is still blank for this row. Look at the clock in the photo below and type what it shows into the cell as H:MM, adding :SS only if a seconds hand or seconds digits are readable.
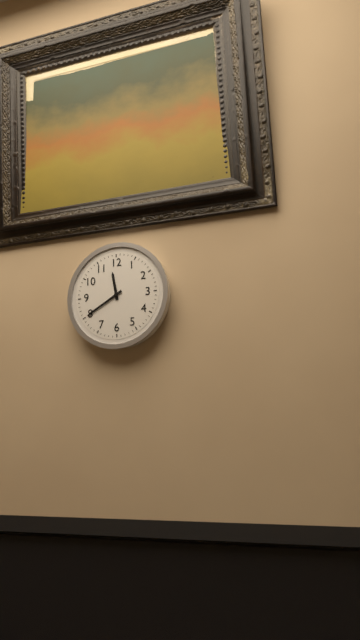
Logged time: 11:40
